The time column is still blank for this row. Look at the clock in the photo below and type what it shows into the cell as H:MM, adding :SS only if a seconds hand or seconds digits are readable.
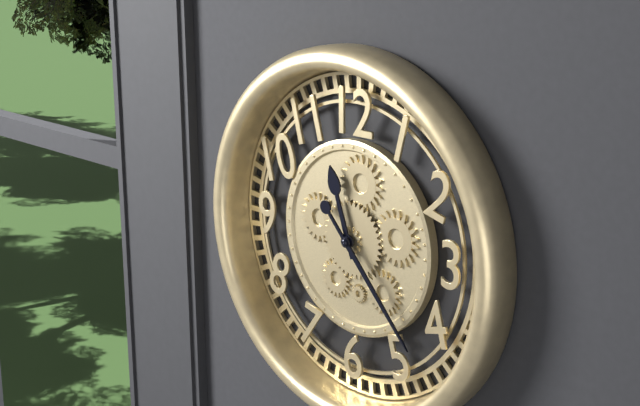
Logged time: 11:23
